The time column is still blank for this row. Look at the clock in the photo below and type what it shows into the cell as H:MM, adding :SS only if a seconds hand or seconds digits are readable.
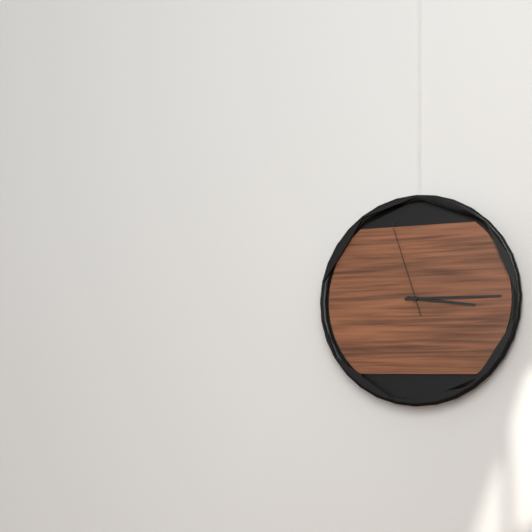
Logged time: 3:15:57
